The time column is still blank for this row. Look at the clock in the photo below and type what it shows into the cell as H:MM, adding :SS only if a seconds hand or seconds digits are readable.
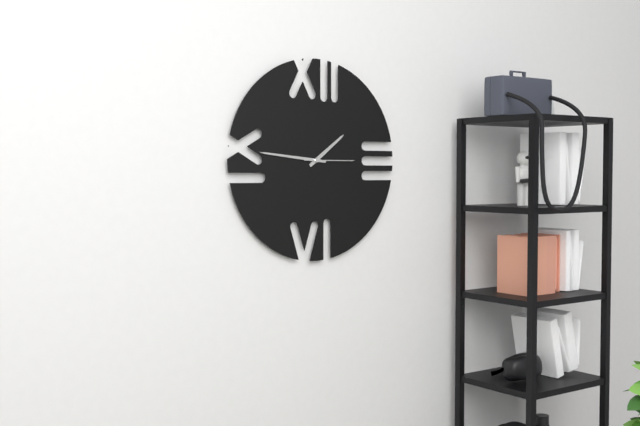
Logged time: 1:46:15
